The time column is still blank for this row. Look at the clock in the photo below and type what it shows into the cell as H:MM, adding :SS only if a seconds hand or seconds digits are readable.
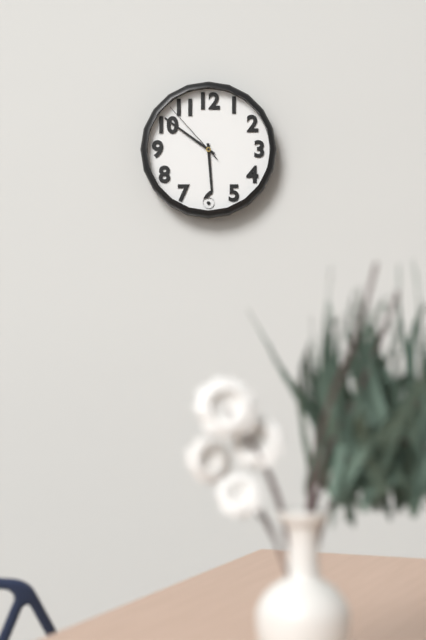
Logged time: 5:51:53
